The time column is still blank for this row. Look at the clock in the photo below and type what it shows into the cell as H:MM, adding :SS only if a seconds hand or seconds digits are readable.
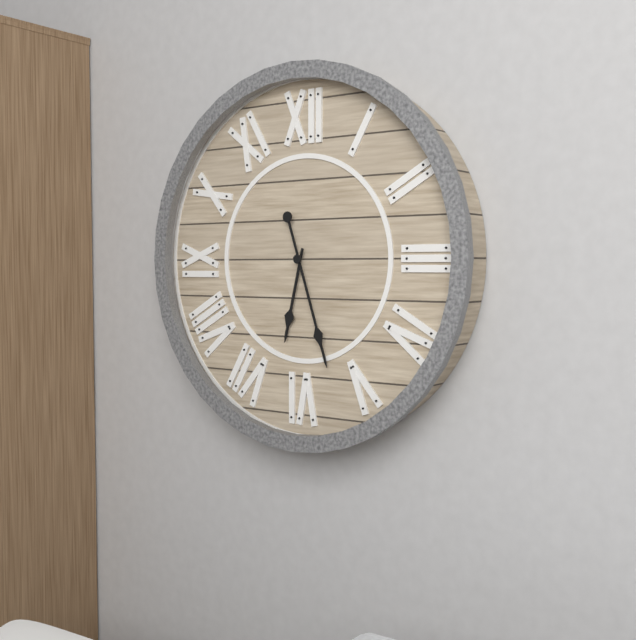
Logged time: 6:27
